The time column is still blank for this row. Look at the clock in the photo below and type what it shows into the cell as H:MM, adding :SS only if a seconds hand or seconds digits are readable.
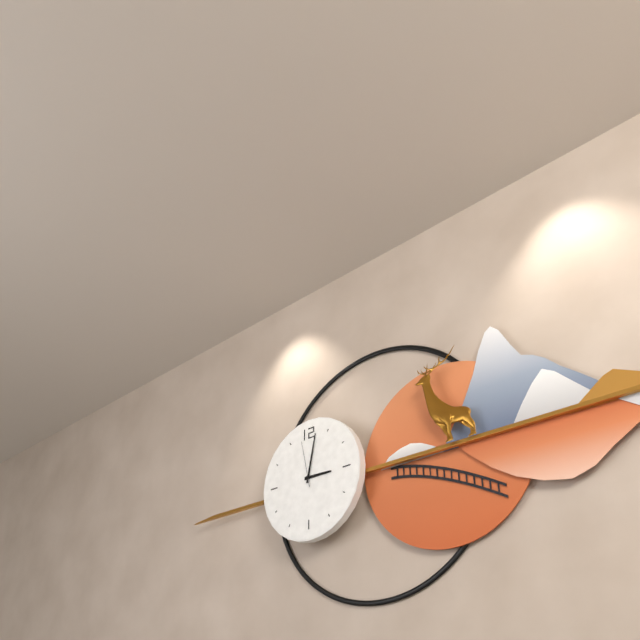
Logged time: 3:02
